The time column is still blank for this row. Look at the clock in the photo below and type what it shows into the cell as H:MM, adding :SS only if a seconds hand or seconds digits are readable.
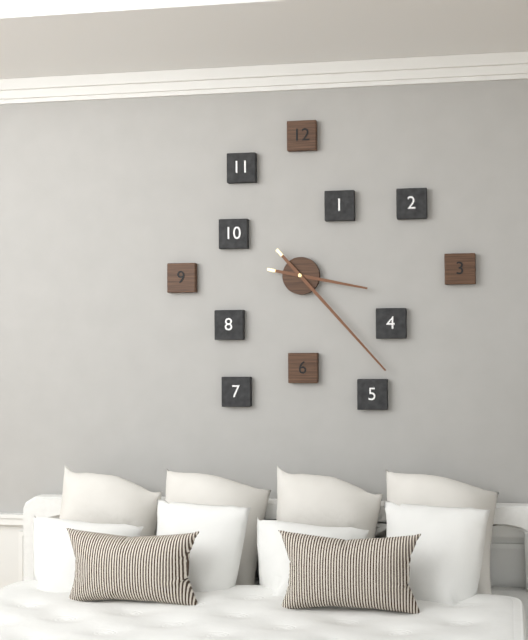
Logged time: 3:23
